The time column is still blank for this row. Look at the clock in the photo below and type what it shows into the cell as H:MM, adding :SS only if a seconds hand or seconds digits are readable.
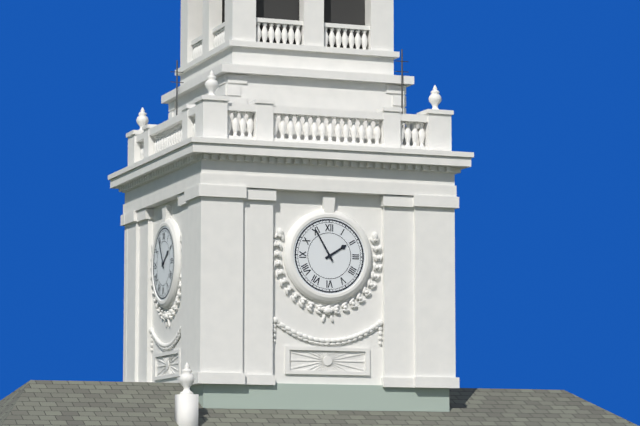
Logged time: 1:55
